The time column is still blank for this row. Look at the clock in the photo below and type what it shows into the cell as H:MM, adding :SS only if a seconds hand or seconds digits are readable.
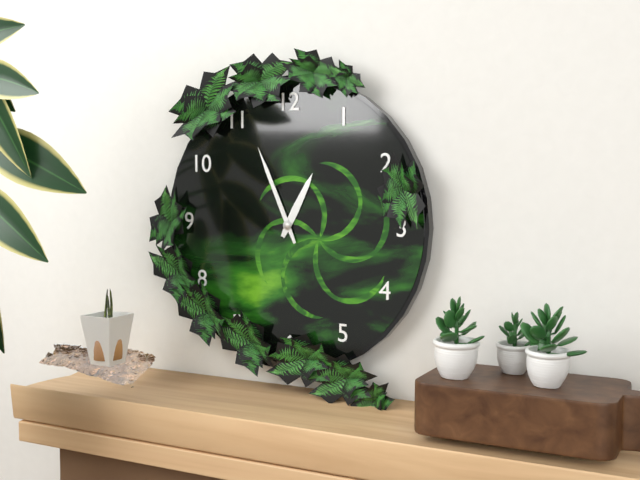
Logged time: 12:56
